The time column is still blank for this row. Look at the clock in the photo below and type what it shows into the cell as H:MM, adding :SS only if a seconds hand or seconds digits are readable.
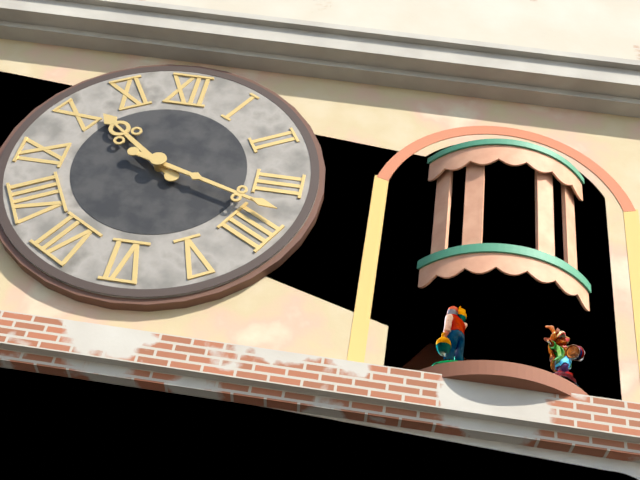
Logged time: 10:18
